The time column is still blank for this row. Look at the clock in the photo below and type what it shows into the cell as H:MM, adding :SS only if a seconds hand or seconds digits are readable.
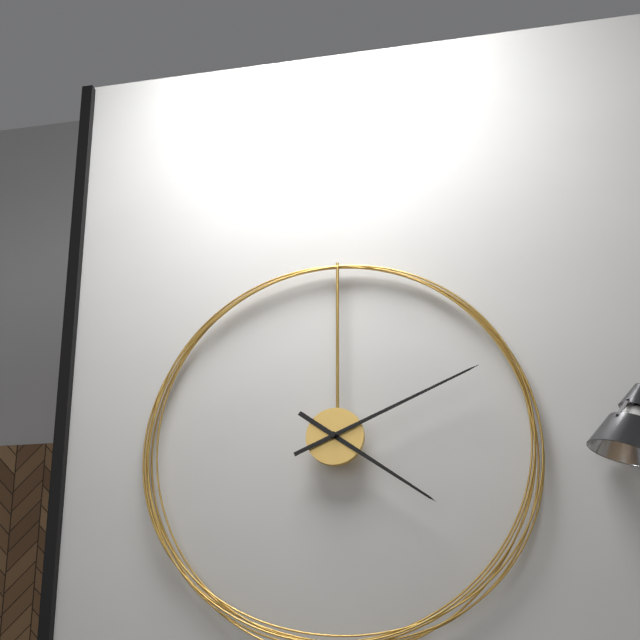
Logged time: 4:11
